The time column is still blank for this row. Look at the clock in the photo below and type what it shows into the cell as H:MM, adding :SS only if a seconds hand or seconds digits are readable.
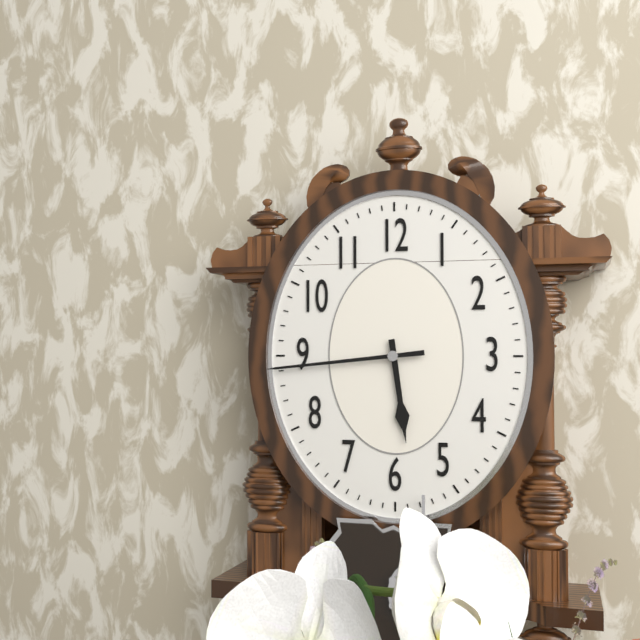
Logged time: 5:44
